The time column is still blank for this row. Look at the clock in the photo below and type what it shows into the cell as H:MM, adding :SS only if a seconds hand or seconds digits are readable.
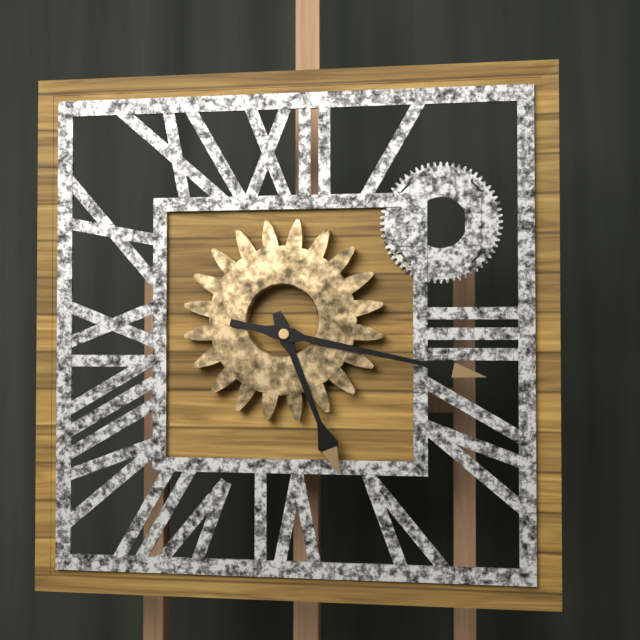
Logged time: 5:17
